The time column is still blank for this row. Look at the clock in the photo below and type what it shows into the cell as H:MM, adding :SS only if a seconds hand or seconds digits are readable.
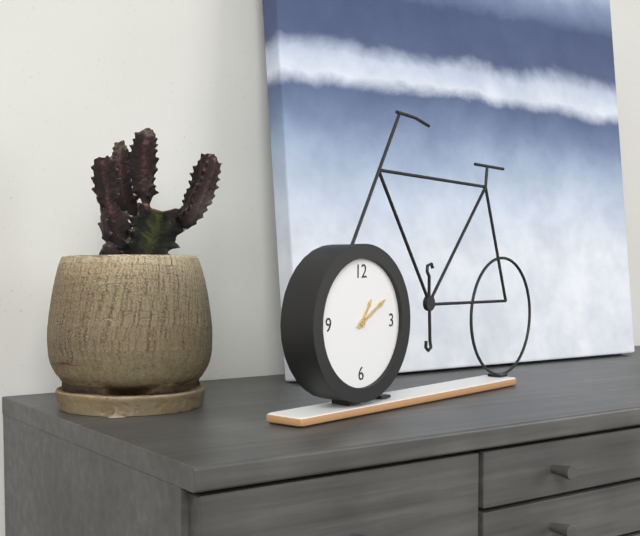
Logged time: 1:10
